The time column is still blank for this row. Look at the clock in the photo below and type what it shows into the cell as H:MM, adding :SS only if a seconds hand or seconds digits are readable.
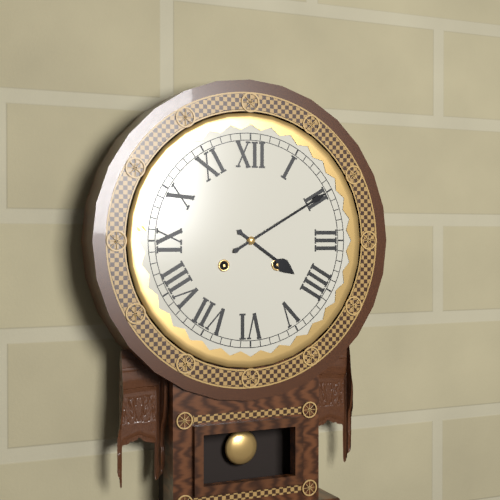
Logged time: 4:10
